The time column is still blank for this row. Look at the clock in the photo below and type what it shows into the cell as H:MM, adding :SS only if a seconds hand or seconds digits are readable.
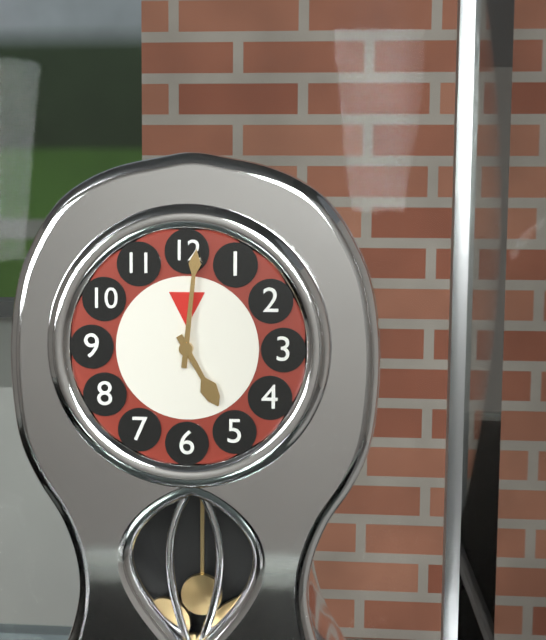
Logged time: 5:01
